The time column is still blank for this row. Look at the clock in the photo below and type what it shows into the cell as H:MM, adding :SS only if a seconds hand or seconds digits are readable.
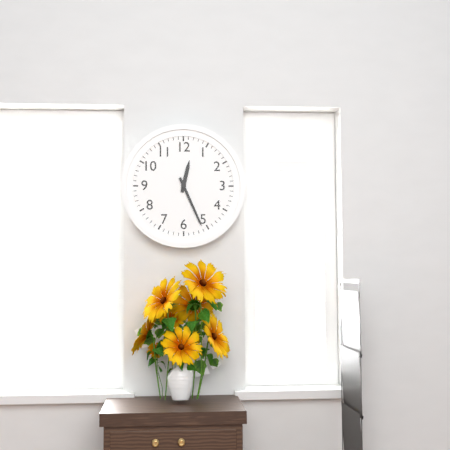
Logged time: 12:26
